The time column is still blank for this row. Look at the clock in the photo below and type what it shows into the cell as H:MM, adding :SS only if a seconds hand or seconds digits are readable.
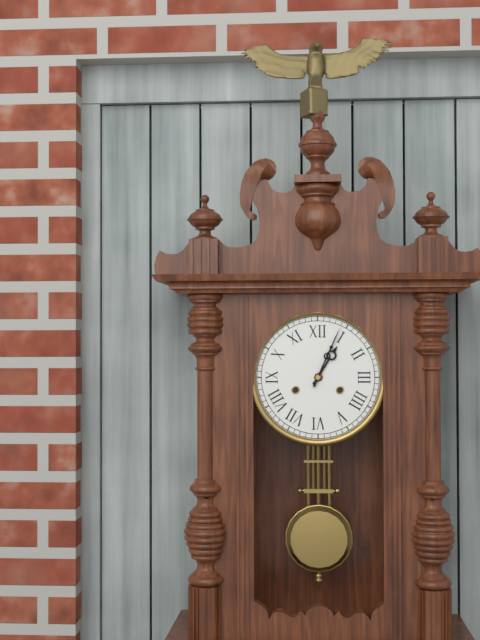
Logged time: 1:04
